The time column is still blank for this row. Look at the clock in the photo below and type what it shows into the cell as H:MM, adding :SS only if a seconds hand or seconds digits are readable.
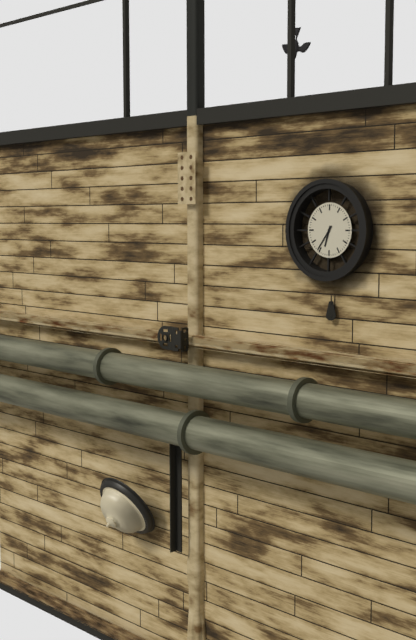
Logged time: 6:36
